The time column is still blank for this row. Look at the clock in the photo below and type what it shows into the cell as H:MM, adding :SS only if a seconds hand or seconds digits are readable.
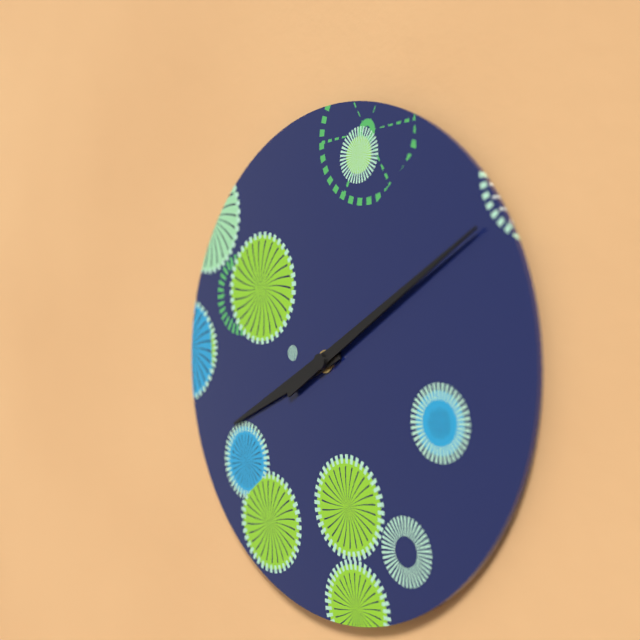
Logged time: 8:10
